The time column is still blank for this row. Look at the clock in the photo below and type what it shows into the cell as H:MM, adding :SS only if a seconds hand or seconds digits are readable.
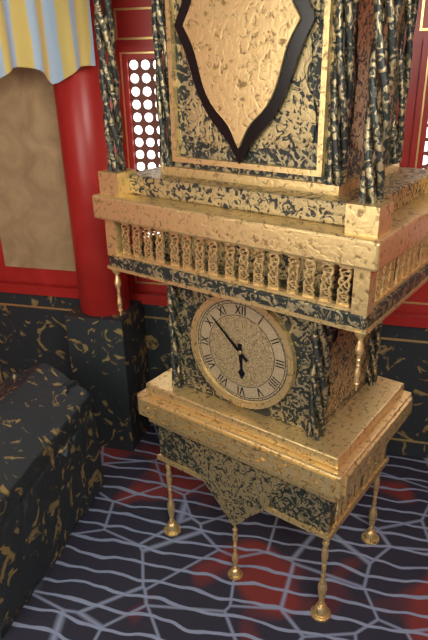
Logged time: 5:52
